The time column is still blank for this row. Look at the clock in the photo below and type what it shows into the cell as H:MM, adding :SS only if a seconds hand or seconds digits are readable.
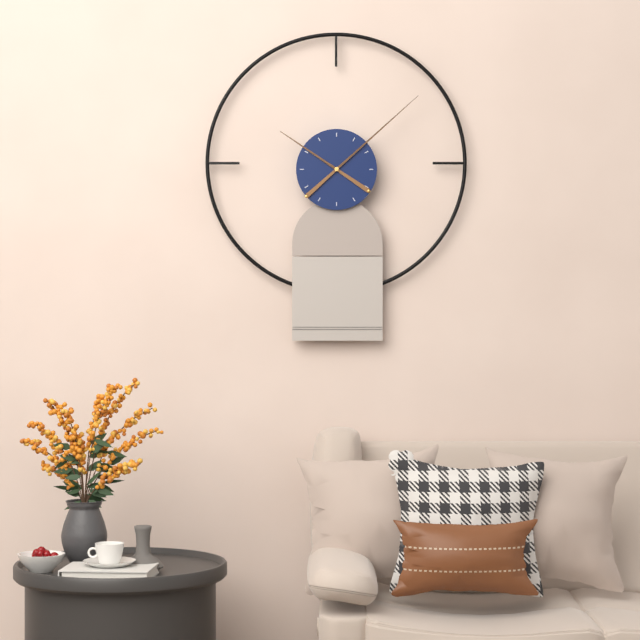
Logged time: 10:08
